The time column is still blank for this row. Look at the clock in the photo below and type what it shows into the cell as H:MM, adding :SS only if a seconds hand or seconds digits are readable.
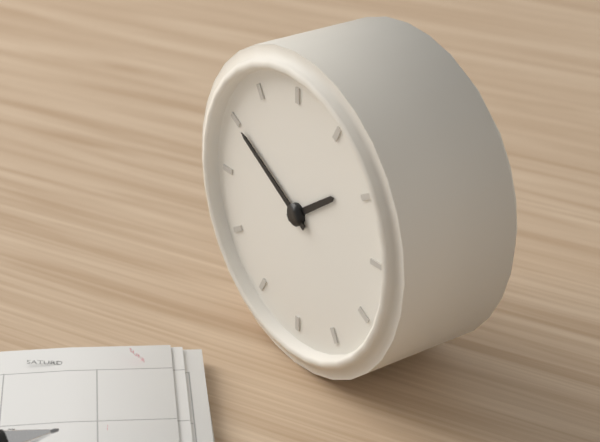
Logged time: 1:50
